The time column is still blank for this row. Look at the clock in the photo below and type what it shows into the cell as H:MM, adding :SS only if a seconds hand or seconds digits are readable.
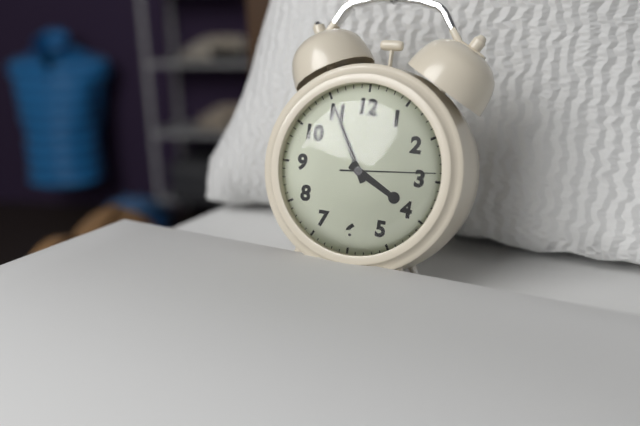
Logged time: 3:55:14
